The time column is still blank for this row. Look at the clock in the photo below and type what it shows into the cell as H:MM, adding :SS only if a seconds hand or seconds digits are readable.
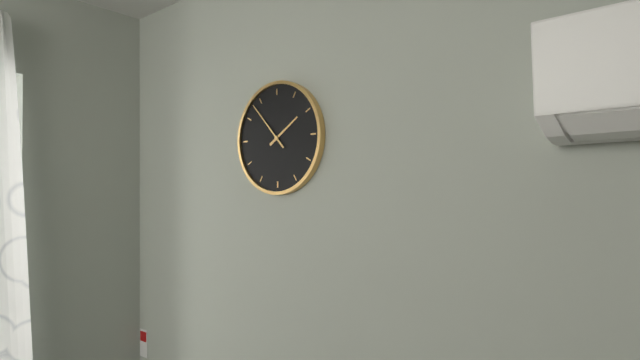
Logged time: 1:53
